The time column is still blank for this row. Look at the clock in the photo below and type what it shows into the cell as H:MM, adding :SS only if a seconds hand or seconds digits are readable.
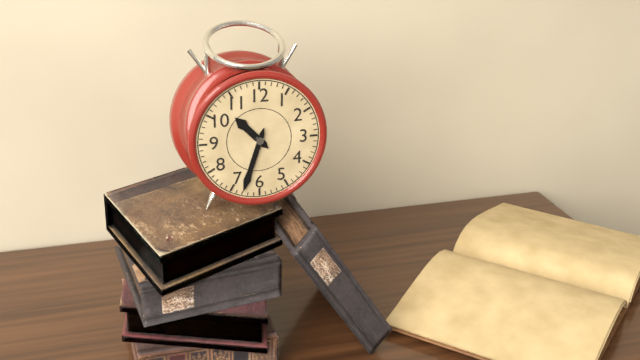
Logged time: 10:33
